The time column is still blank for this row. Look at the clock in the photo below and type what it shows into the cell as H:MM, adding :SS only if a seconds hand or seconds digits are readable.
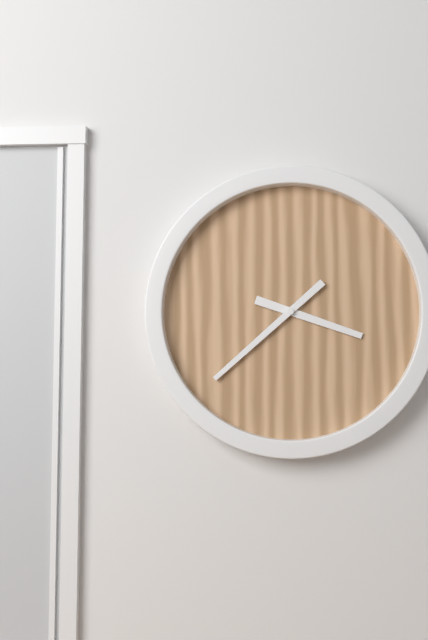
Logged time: 3:38
